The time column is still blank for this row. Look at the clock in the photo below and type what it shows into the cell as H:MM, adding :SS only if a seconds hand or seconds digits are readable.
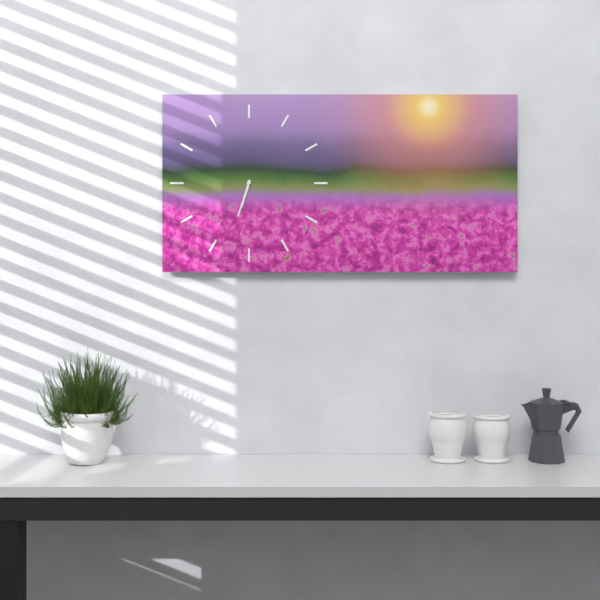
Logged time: 6:33
